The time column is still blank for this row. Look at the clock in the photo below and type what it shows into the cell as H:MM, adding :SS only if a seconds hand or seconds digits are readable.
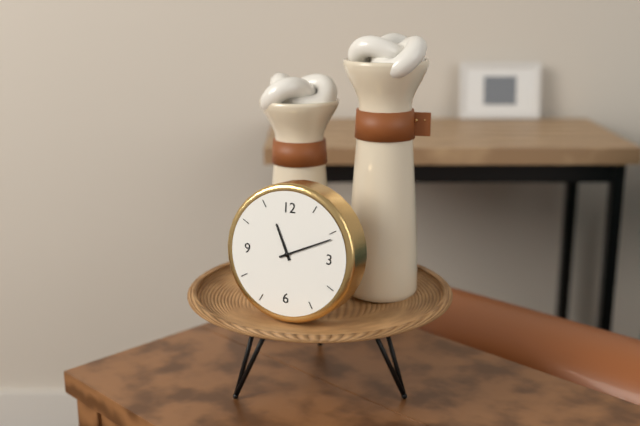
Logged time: 11:11
